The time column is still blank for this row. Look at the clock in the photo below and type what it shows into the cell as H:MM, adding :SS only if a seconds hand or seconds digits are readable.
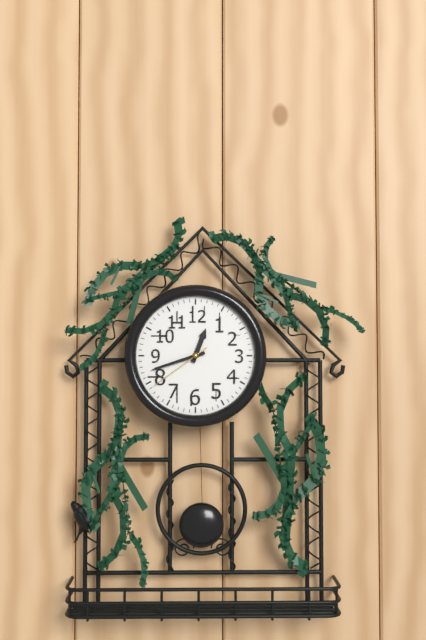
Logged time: 12:42:39
